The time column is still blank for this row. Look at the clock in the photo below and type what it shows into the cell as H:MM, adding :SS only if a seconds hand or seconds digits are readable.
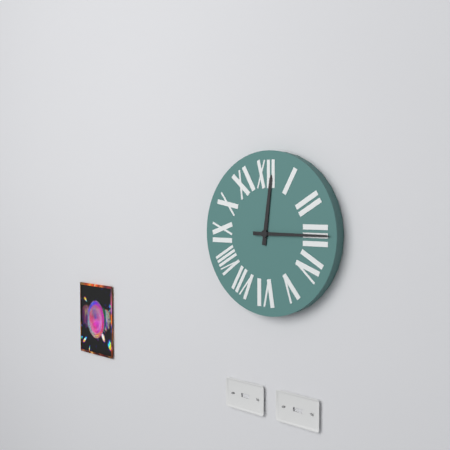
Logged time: 12:15
